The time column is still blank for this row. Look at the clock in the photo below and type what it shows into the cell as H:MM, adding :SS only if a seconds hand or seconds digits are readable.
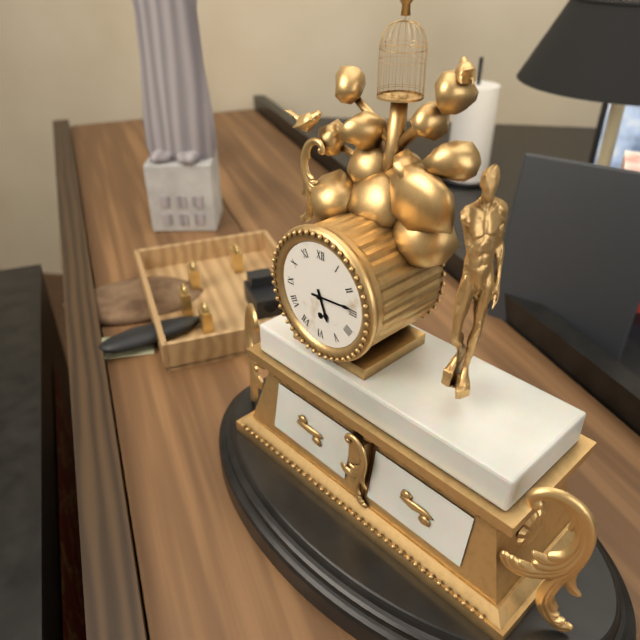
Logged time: 5:14
